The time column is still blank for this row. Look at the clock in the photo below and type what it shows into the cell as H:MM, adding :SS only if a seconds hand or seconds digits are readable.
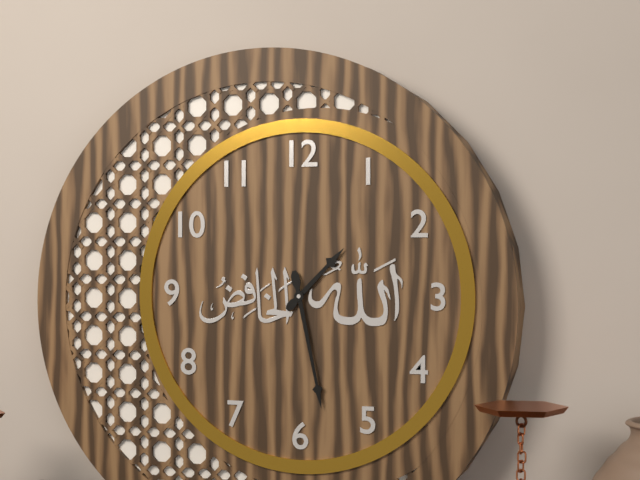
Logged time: 1:28
